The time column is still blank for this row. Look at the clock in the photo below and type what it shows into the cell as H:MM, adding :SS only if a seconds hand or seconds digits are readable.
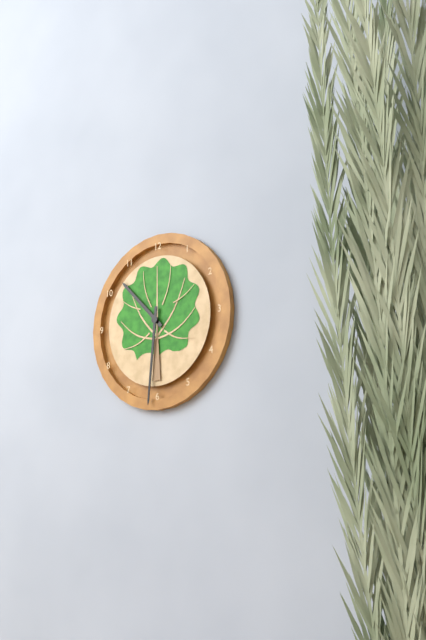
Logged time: 10:31
